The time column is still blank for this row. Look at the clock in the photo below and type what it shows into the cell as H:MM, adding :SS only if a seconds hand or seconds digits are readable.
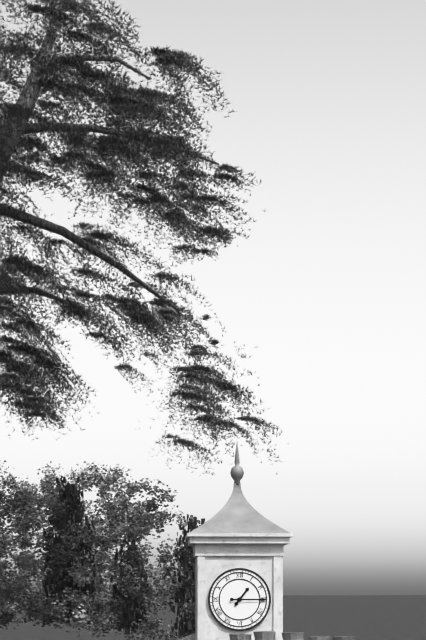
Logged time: 1:15
